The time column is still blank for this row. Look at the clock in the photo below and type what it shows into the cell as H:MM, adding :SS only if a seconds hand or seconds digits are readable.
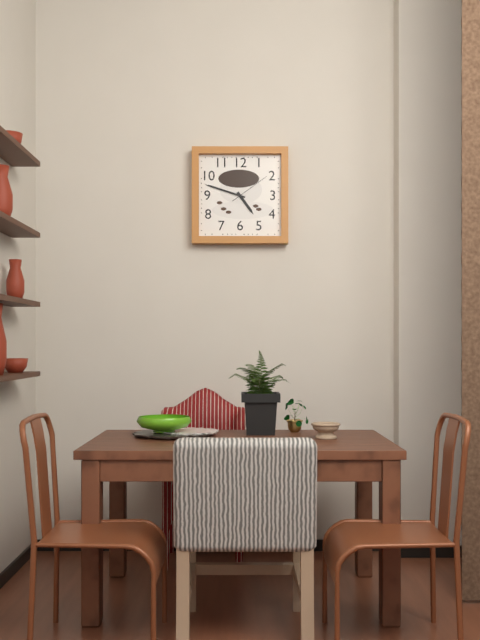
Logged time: 4:48
